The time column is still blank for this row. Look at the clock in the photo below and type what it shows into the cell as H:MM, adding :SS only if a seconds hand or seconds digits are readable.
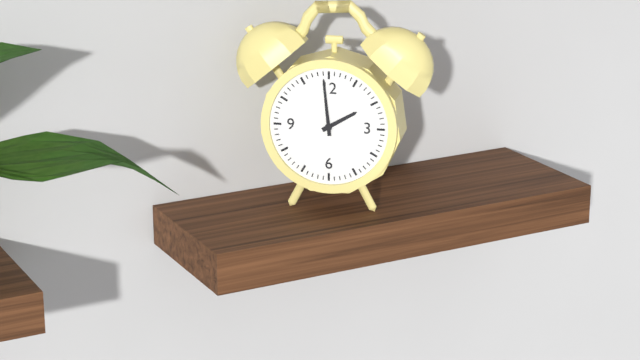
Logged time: 1:59
